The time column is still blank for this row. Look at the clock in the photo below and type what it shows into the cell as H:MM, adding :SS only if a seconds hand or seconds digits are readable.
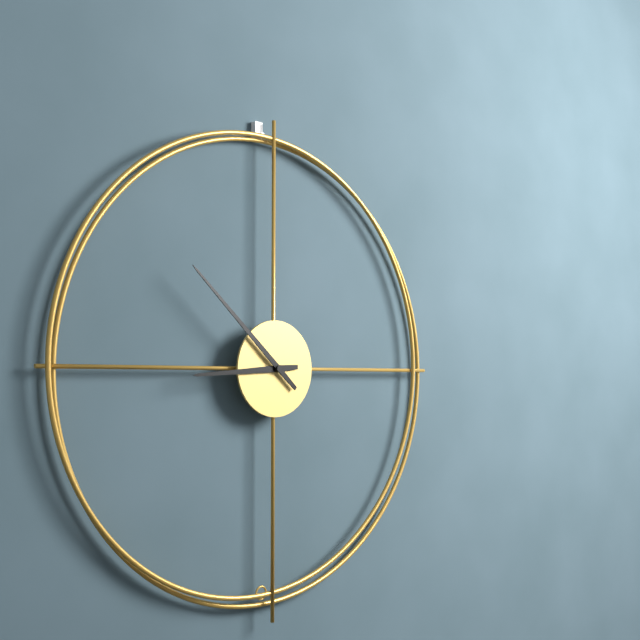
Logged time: 8:52
